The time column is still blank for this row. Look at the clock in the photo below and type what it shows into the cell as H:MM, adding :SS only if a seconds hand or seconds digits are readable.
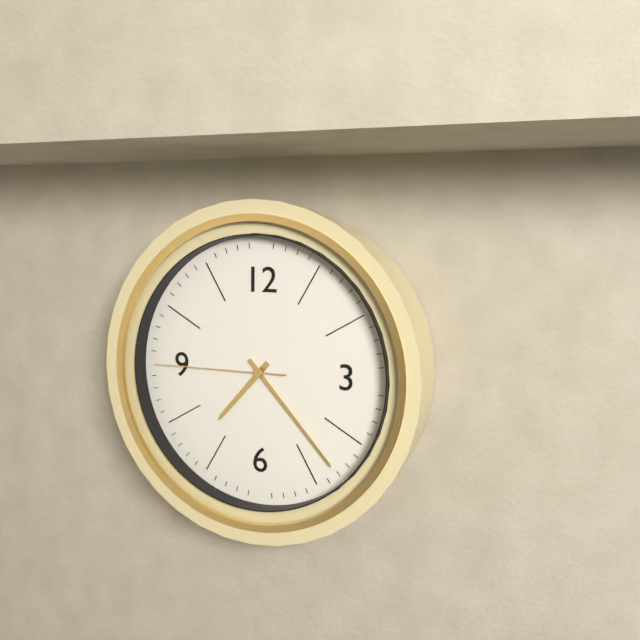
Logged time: 7:23:45
